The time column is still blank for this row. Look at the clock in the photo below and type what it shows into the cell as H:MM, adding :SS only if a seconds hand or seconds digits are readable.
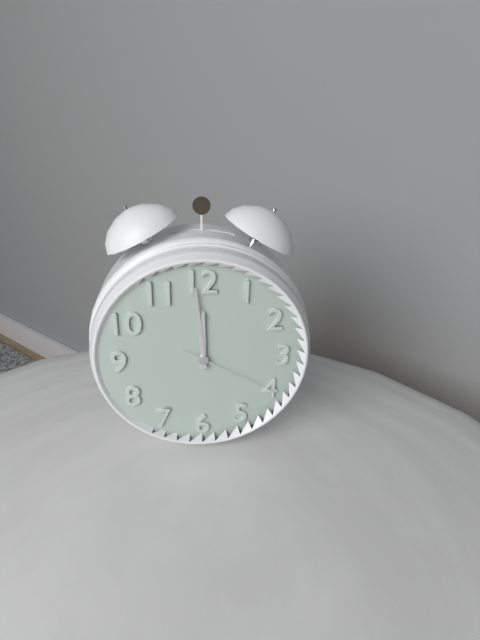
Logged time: 11:59:20
